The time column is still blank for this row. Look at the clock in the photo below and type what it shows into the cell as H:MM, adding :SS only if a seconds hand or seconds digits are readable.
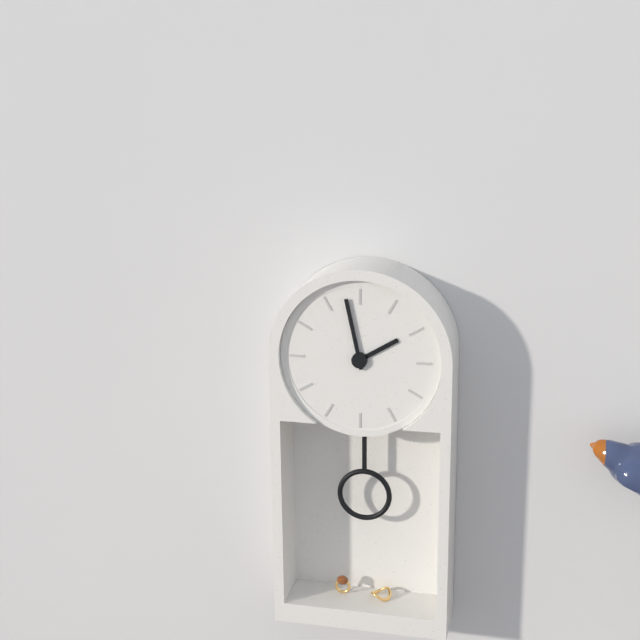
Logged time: 1:58
